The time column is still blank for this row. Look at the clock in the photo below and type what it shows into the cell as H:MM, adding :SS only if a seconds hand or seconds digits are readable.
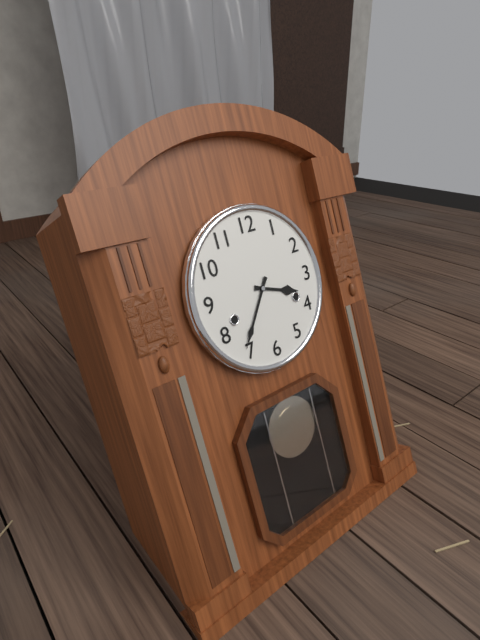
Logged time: 3:36
